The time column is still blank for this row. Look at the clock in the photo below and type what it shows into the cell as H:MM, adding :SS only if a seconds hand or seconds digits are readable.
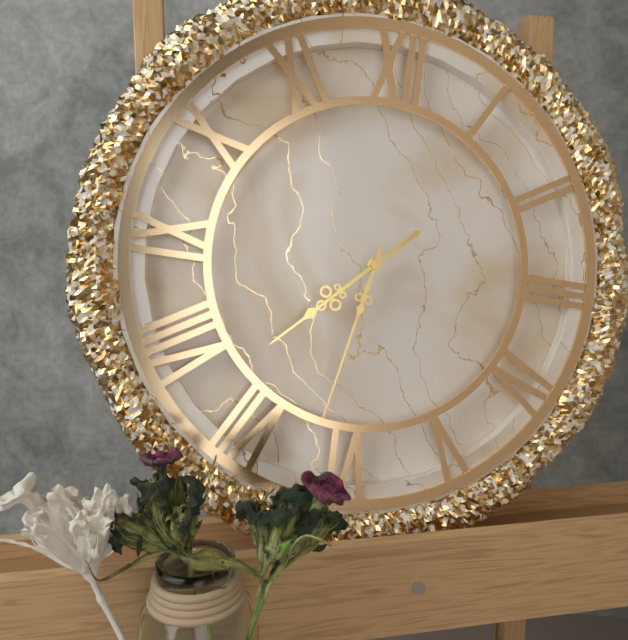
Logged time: 7:32
